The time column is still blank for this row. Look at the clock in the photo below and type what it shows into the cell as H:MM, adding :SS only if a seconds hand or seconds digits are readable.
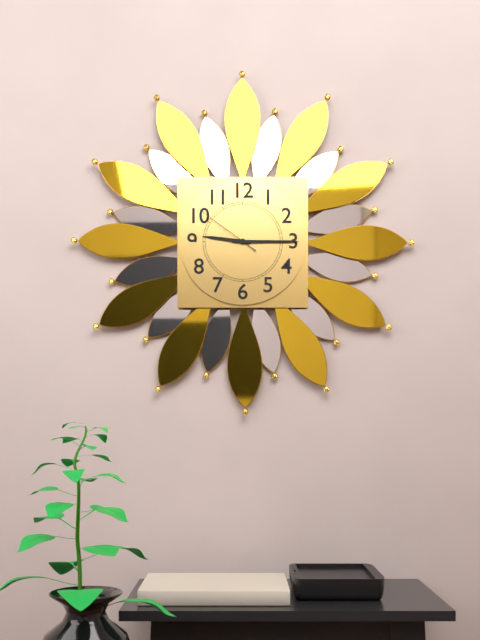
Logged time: 9:15:51
